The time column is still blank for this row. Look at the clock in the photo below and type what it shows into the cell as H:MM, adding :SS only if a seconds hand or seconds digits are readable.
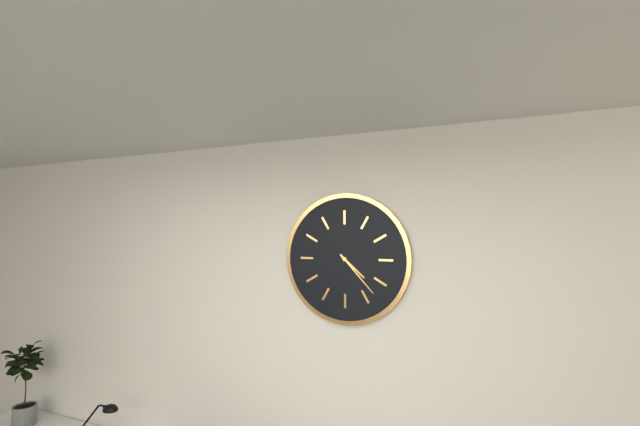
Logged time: 4:23
